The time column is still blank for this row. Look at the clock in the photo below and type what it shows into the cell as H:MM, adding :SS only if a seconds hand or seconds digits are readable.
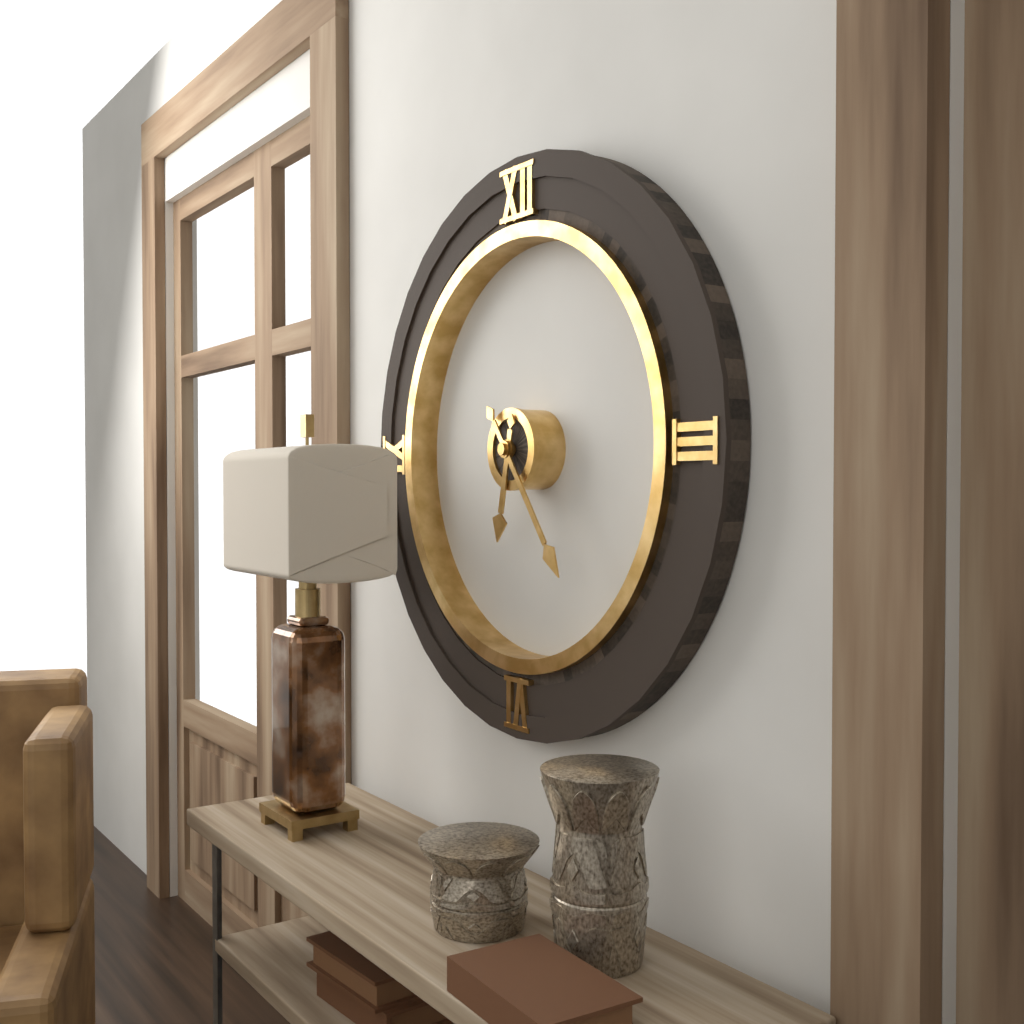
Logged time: 6:24
